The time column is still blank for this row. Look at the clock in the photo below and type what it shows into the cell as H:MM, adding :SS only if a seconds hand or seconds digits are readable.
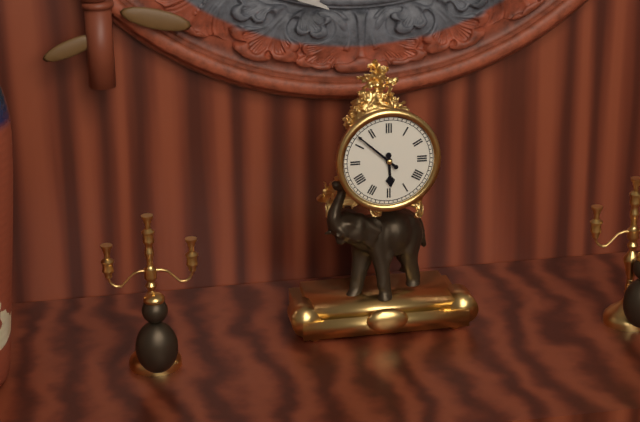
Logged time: 5:52
